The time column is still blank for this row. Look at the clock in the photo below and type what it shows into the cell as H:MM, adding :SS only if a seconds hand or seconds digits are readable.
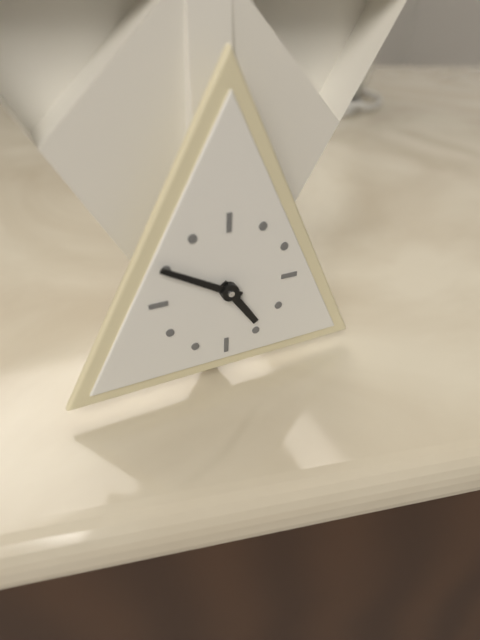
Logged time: 4:50
